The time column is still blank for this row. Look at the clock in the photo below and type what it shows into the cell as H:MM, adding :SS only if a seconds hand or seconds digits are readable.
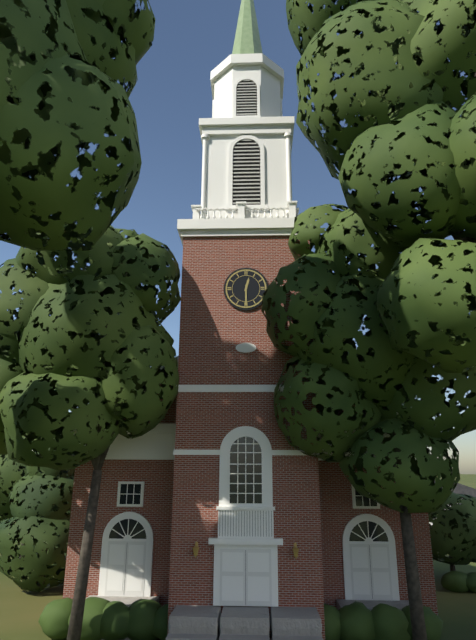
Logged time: 12:30
